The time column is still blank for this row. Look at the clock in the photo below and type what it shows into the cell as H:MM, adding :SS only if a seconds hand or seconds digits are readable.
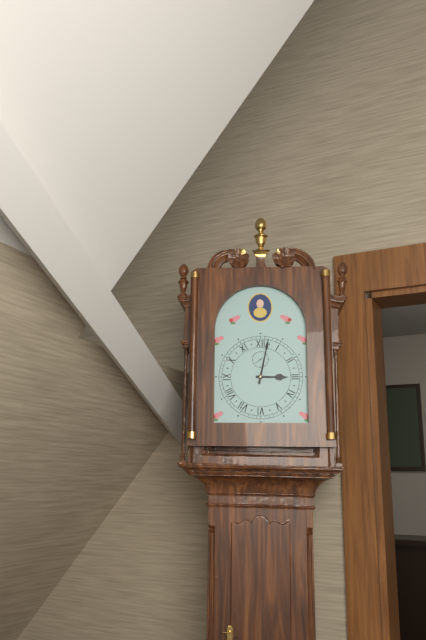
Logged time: 3:02
